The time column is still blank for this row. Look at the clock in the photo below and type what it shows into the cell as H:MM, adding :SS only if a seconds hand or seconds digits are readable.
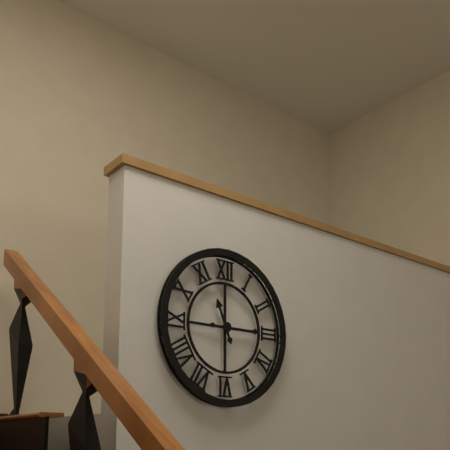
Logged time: 11:15
